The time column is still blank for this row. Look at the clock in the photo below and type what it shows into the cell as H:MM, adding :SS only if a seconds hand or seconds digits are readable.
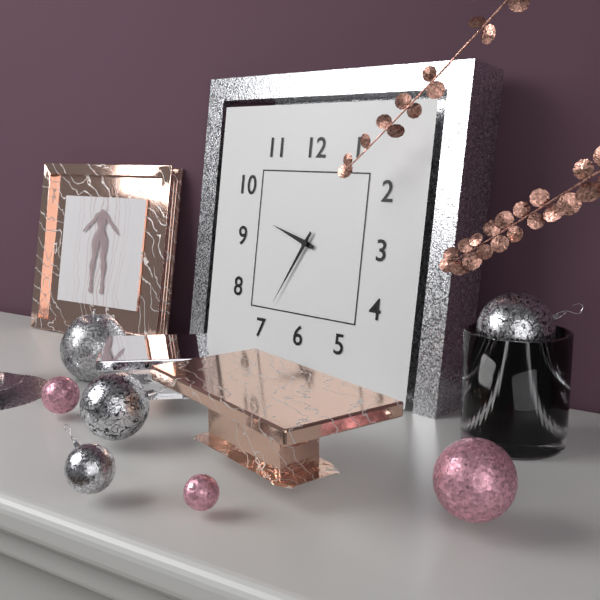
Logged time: 9:35
